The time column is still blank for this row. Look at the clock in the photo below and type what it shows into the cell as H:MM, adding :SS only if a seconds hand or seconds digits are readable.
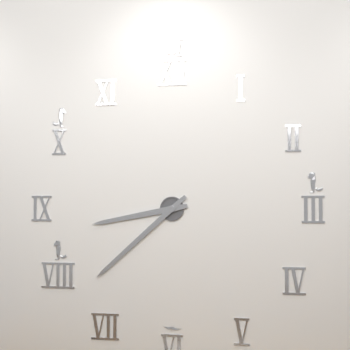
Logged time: 8:38
